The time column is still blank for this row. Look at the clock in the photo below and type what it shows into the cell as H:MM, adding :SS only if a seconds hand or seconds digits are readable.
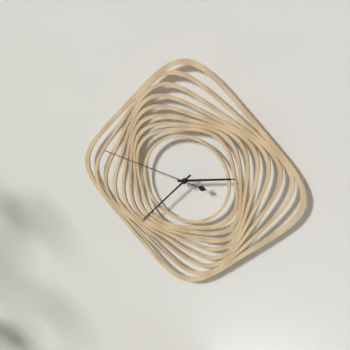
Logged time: 2:37:47
